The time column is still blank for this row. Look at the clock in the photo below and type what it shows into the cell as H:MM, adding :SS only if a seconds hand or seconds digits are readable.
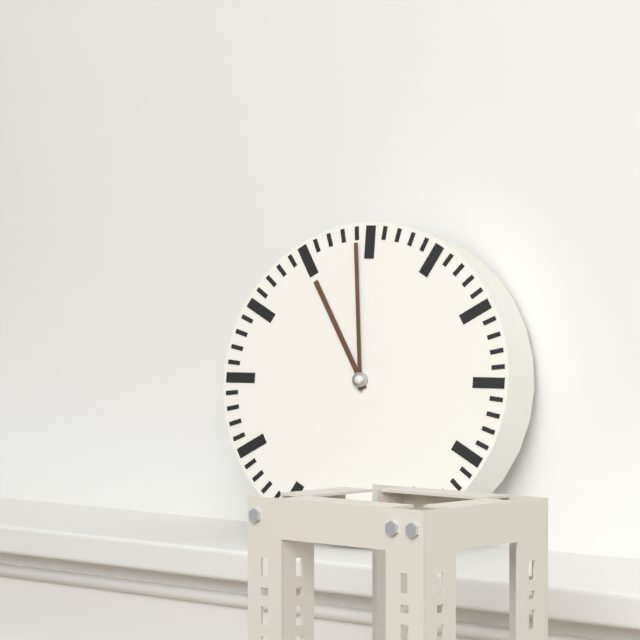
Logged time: 10:59
